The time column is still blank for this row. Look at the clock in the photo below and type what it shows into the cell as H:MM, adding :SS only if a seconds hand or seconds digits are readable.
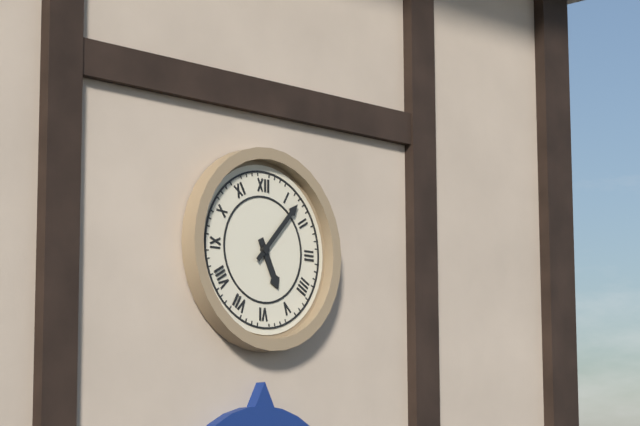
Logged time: 5:07
